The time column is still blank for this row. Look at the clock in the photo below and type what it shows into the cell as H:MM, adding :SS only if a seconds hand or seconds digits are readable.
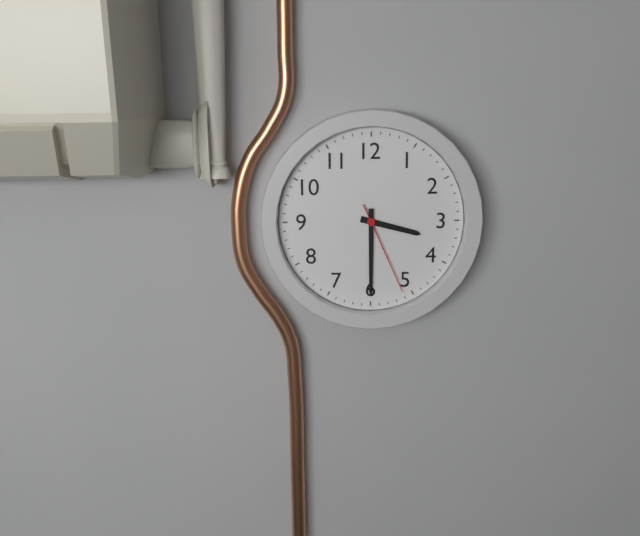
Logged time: 3:30:26
